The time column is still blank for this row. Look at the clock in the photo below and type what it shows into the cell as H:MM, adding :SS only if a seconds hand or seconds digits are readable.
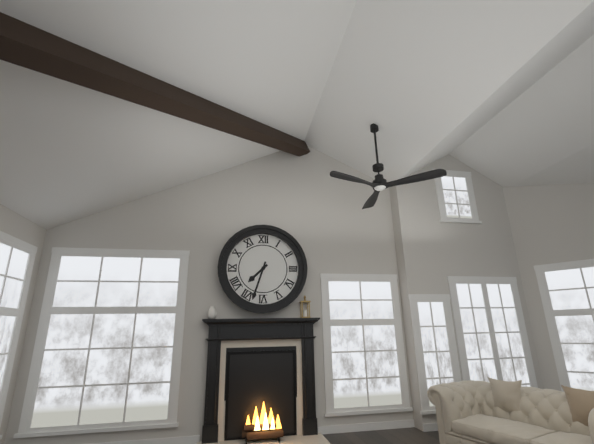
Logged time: 7:33
